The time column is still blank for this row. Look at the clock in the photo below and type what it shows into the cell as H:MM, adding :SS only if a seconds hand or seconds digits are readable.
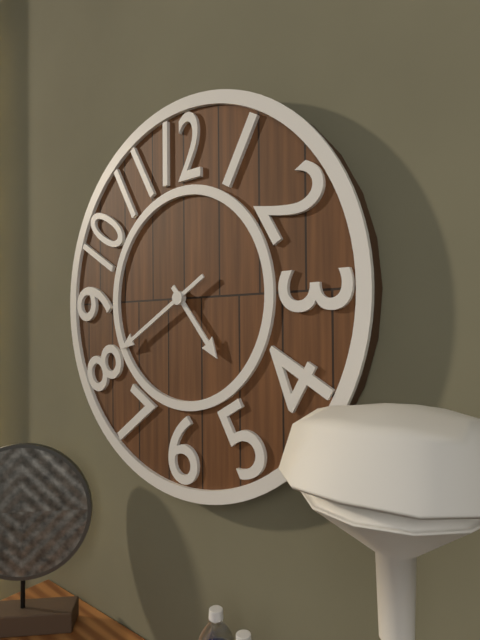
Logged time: 4:40
